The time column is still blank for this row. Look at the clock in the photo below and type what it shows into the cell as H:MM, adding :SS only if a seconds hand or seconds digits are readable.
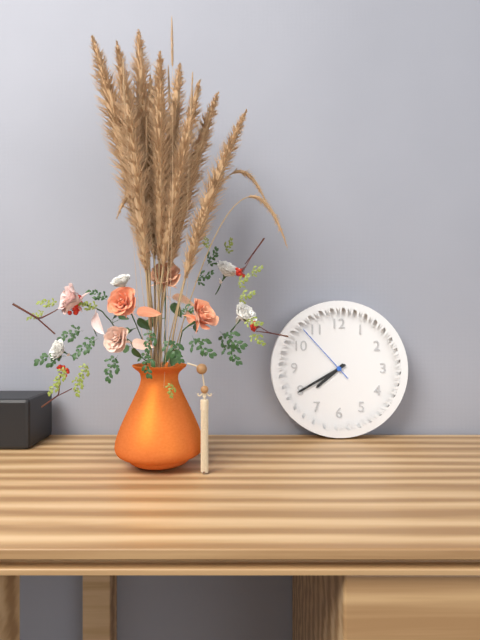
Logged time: 7:40:53
